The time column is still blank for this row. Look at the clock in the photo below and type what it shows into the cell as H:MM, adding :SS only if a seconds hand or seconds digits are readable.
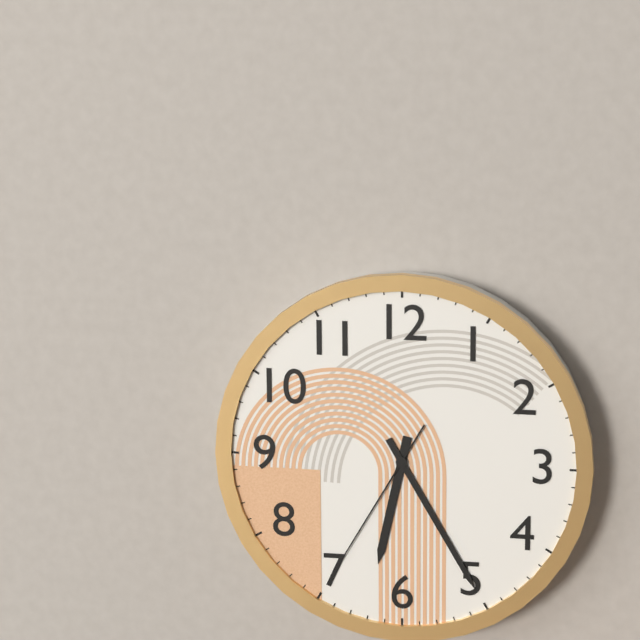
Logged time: 6:25:35
